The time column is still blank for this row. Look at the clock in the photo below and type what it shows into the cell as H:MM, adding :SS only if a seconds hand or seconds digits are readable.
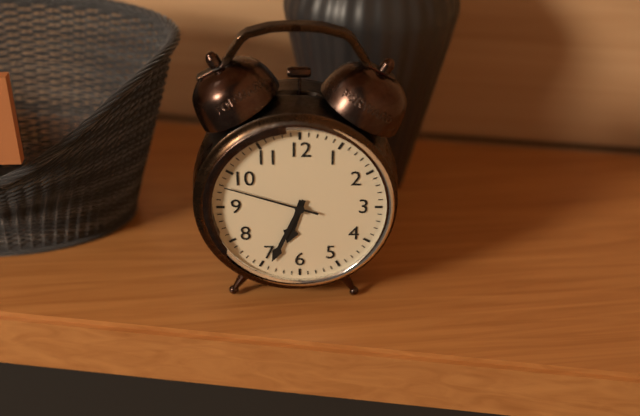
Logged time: 6:34:48
